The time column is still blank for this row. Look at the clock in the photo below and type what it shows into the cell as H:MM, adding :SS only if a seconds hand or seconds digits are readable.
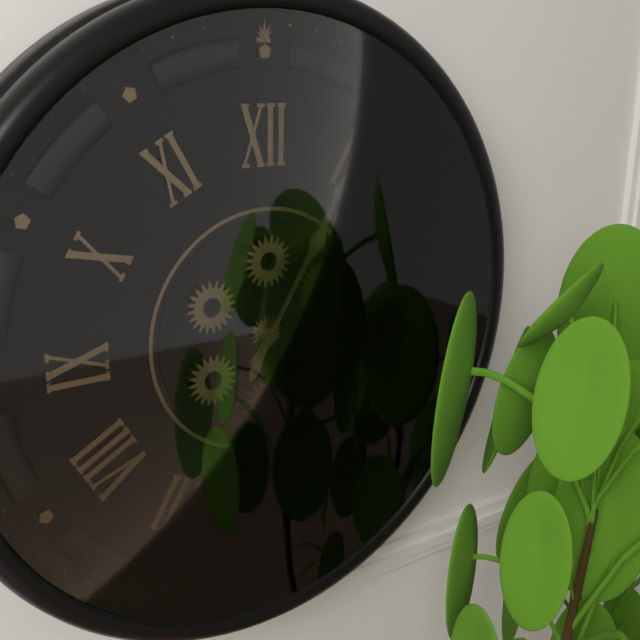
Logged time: 1:05
